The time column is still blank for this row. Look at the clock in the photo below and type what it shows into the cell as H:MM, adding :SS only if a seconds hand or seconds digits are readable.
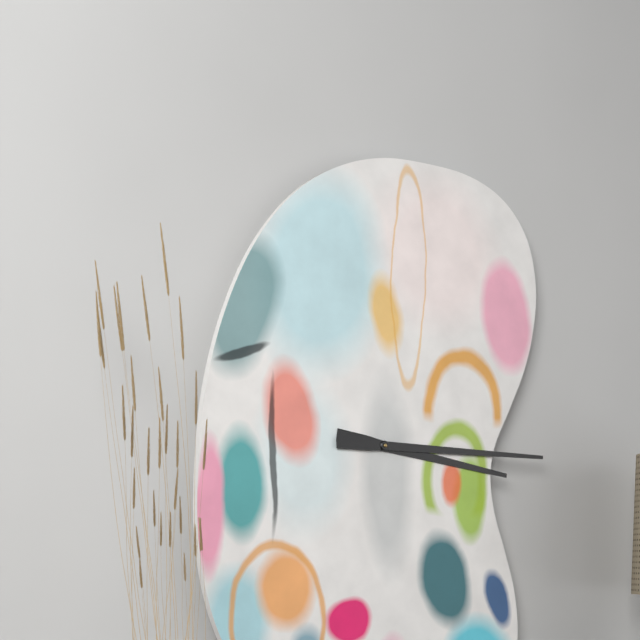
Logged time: 3:15
